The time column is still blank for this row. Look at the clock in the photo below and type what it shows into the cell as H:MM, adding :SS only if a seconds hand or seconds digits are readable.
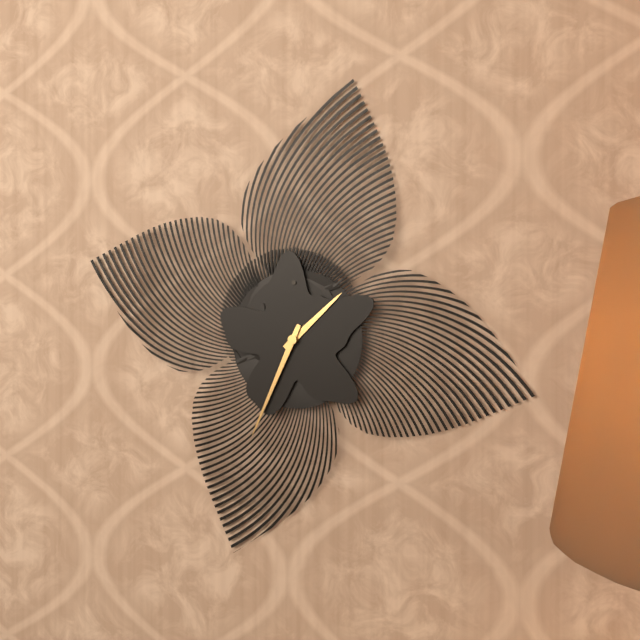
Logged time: 1:34
